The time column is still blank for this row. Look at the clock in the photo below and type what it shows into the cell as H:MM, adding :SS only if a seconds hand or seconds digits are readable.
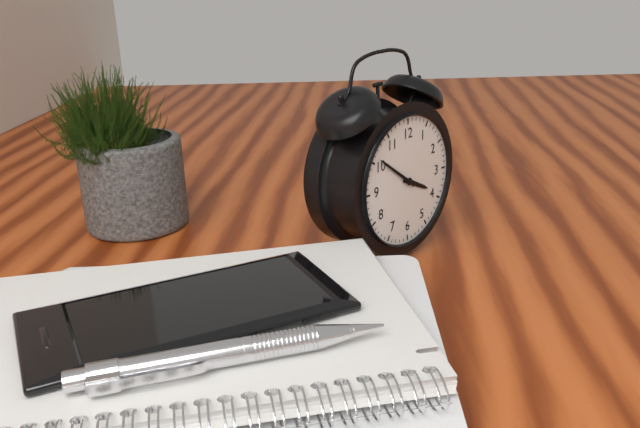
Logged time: 3:51
